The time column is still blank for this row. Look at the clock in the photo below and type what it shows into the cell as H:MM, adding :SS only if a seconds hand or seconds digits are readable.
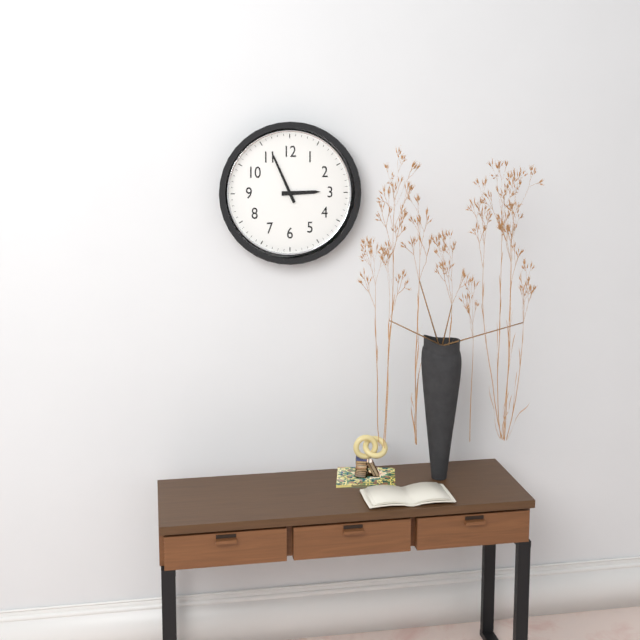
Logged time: 2:56
